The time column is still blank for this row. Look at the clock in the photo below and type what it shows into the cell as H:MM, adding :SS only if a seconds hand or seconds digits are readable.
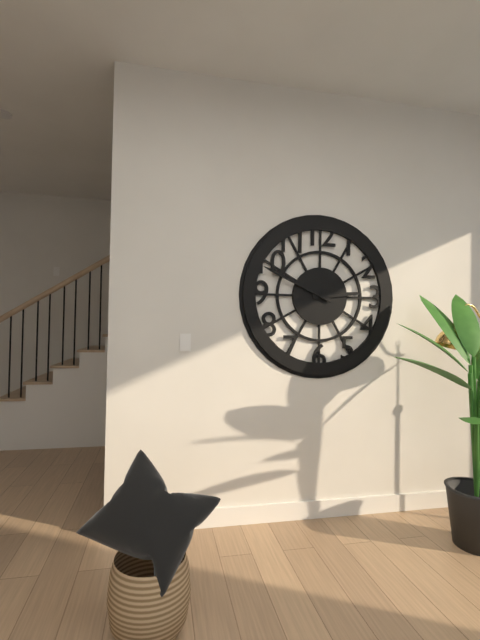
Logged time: 2:49
